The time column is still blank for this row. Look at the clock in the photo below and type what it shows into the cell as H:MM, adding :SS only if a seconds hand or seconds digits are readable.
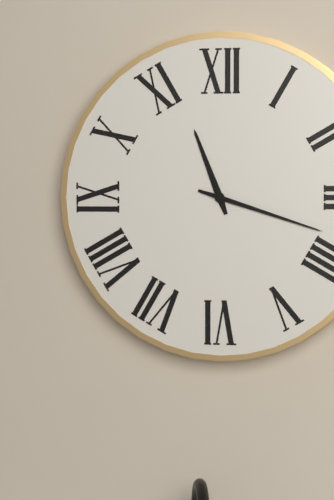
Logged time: 11:18
